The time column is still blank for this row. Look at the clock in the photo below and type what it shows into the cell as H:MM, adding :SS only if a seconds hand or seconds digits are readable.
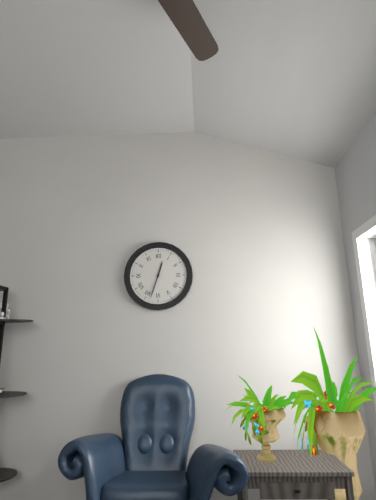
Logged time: 12:33
